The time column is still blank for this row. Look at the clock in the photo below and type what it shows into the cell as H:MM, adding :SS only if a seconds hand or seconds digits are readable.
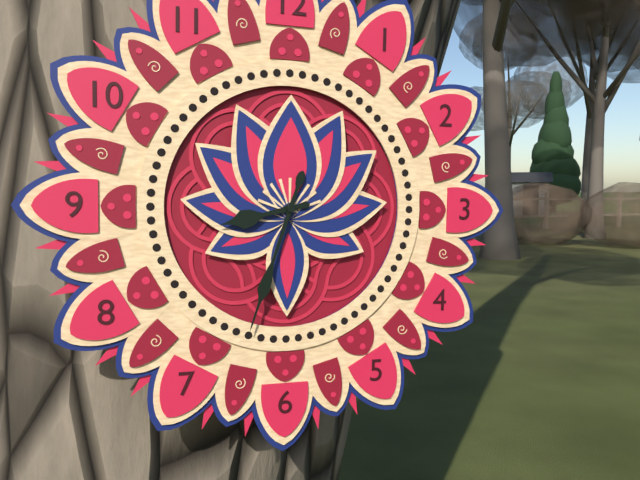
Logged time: 8:33
